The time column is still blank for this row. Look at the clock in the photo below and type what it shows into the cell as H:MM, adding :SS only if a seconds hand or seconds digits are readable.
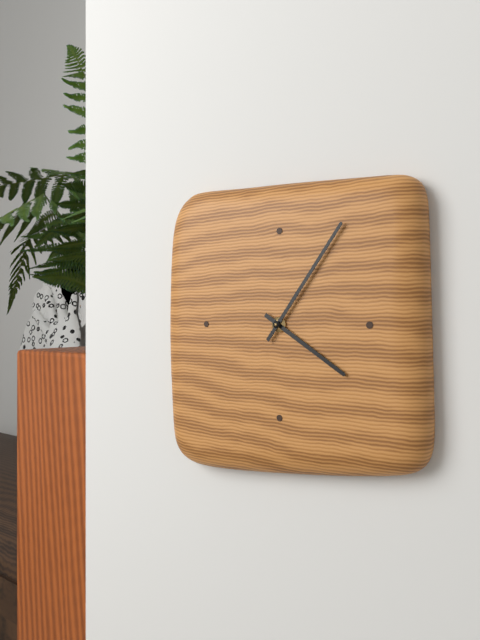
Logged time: 4:06
